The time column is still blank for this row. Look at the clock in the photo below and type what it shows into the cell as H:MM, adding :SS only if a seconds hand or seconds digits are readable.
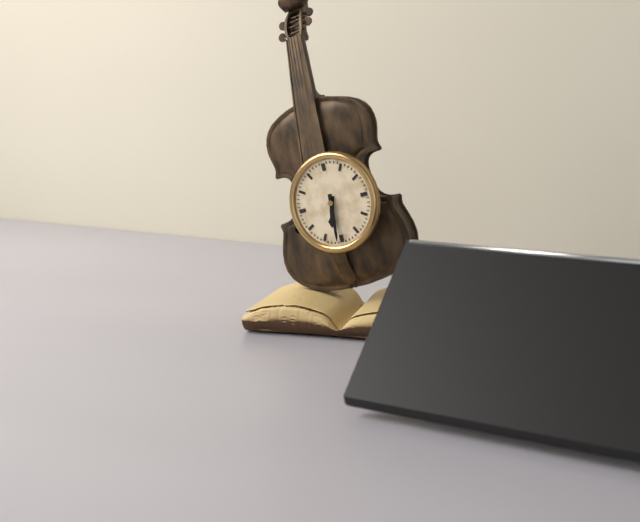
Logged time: 6:31
